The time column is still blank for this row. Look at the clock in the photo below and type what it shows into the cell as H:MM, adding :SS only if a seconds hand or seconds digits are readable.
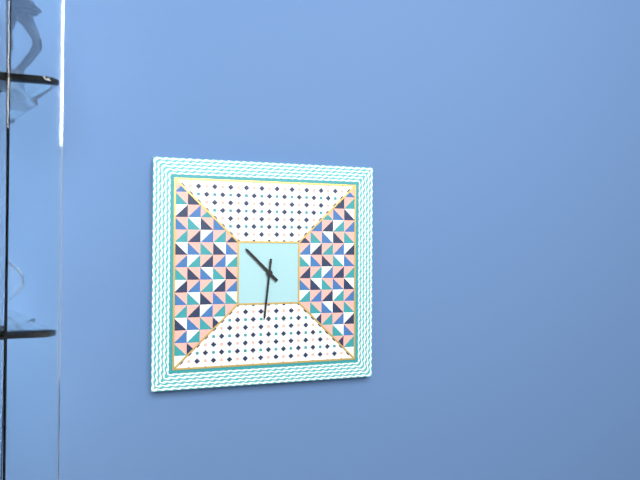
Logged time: 10:31
